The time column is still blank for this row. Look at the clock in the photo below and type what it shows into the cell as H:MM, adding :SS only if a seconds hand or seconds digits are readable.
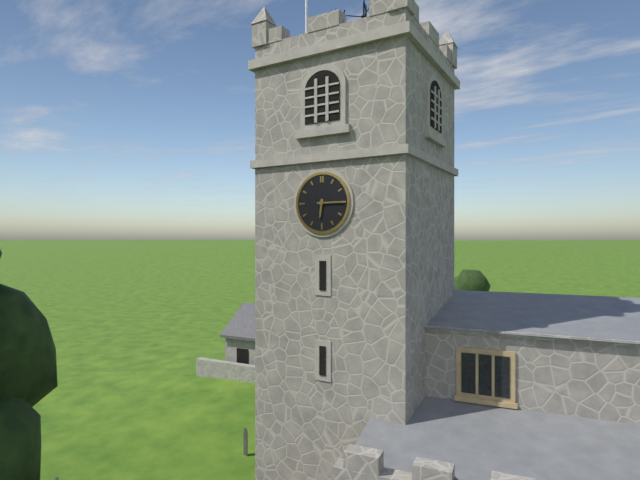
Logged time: 6:15
